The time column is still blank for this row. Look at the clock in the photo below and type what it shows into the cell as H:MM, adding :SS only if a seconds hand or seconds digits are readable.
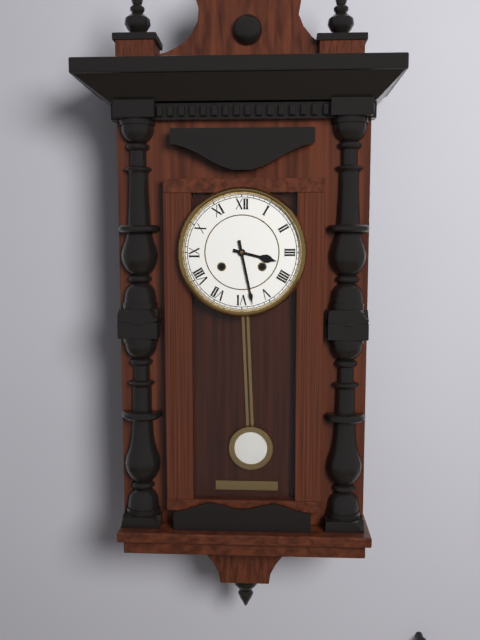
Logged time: 3:28
